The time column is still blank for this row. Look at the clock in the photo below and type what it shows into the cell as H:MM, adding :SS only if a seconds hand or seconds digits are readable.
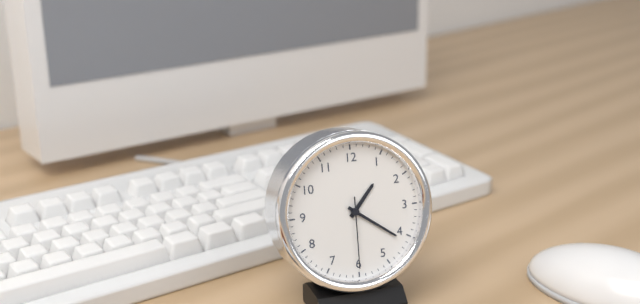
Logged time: 1:21:30
